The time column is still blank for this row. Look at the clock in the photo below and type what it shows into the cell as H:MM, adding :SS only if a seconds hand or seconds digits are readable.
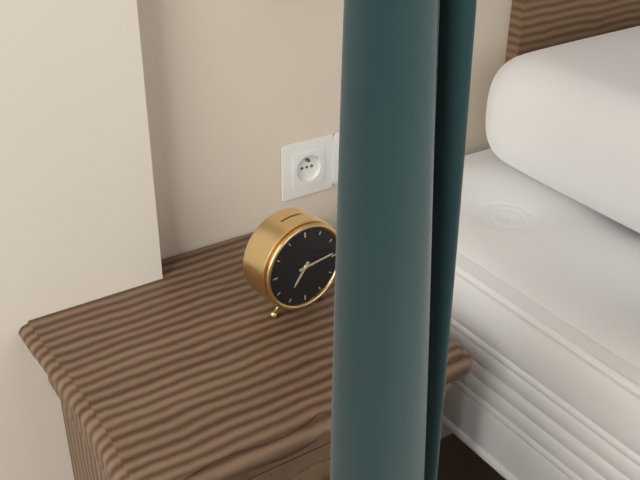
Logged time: 7:14
